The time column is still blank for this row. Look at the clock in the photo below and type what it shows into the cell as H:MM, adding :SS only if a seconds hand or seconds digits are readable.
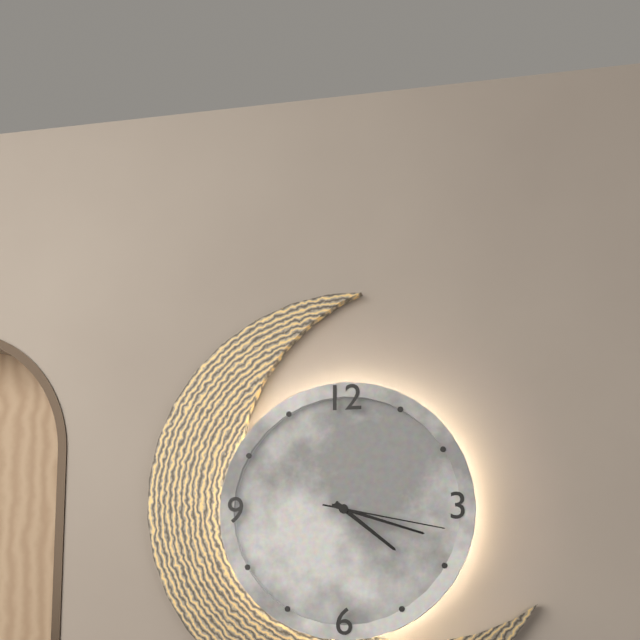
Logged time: 4:18:17
